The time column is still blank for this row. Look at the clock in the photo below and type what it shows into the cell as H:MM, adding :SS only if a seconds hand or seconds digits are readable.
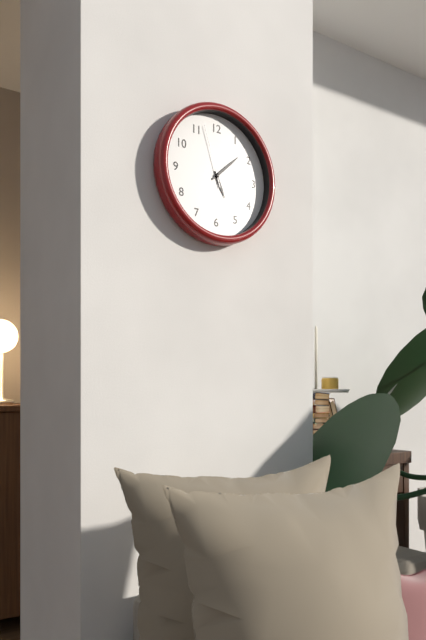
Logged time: 5:08:57
